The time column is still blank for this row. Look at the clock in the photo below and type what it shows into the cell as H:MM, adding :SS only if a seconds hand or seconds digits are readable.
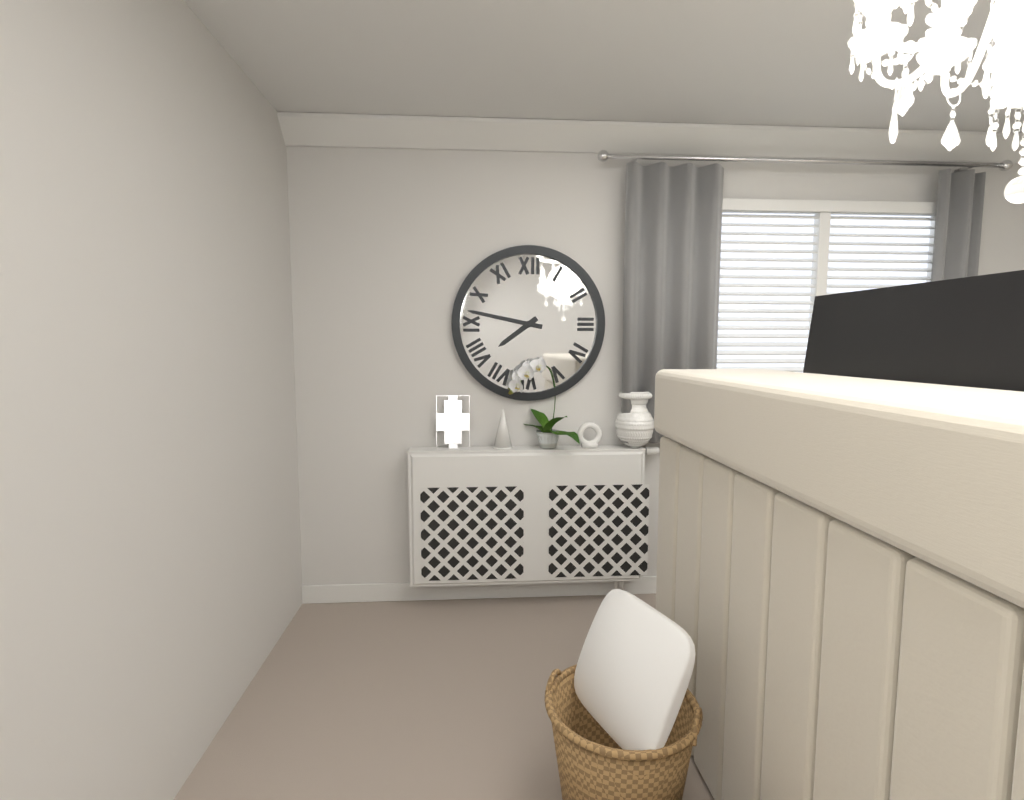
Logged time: 7:47
